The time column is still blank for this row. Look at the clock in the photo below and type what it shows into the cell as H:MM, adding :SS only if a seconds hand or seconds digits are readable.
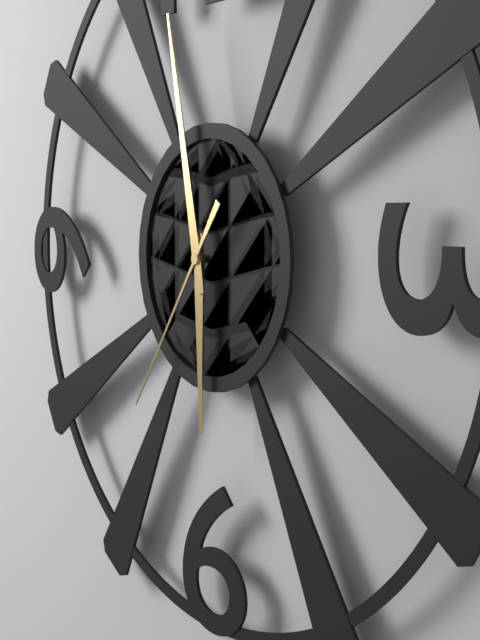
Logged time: 5:58:36
